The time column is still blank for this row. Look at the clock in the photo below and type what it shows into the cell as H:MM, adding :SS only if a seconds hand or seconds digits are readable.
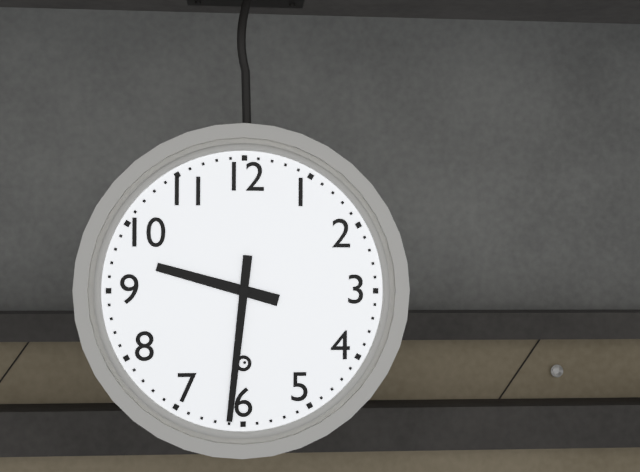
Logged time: 9:31
